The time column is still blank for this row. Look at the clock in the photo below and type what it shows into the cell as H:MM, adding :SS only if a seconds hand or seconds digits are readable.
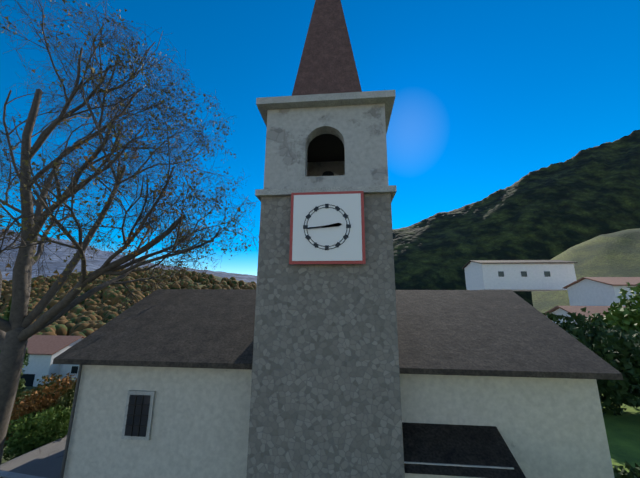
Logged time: 2:44
